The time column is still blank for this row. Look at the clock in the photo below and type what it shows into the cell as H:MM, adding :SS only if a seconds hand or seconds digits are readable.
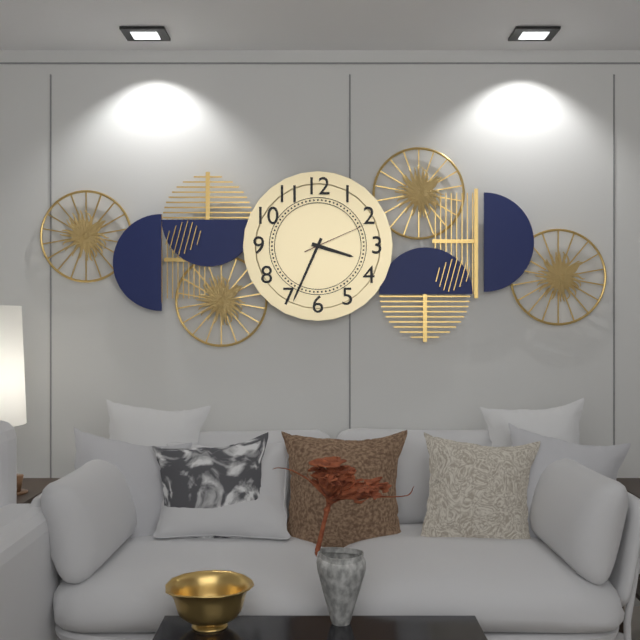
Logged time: 3:34:11
